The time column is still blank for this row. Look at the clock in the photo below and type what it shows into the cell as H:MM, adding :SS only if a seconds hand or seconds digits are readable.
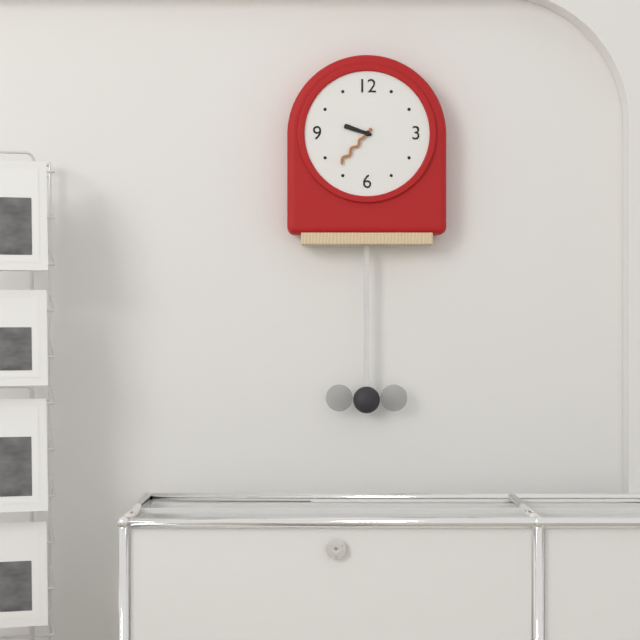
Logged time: 9:37
